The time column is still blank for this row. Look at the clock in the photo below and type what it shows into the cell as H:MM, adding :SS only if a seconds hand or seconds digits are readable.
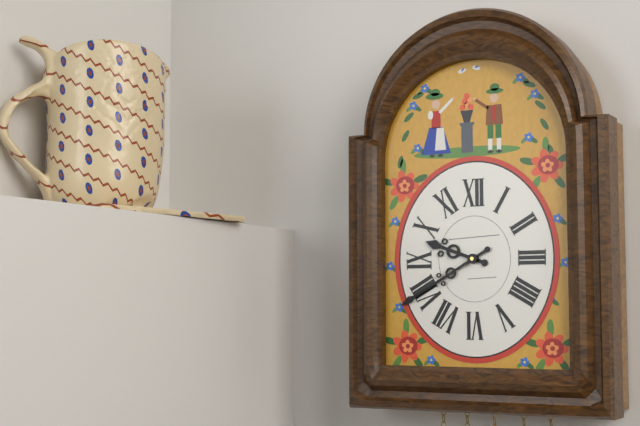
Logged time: 9:40
